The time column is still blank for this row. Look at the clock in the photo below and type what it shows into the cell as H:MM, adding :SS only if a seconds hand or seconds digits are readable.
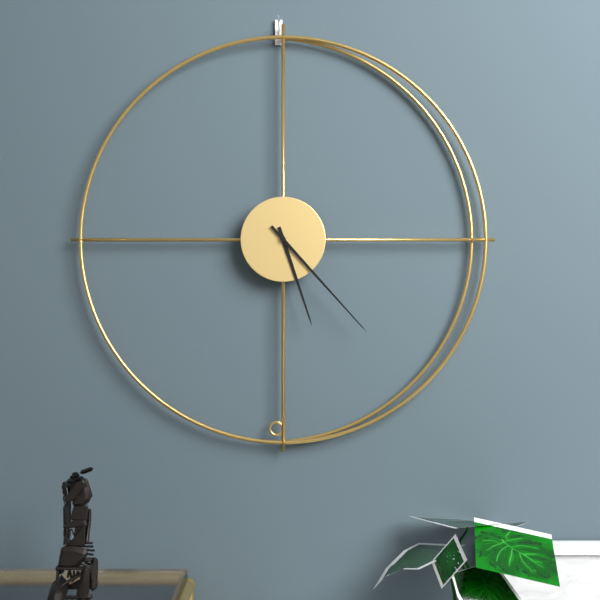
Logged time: 5:23
